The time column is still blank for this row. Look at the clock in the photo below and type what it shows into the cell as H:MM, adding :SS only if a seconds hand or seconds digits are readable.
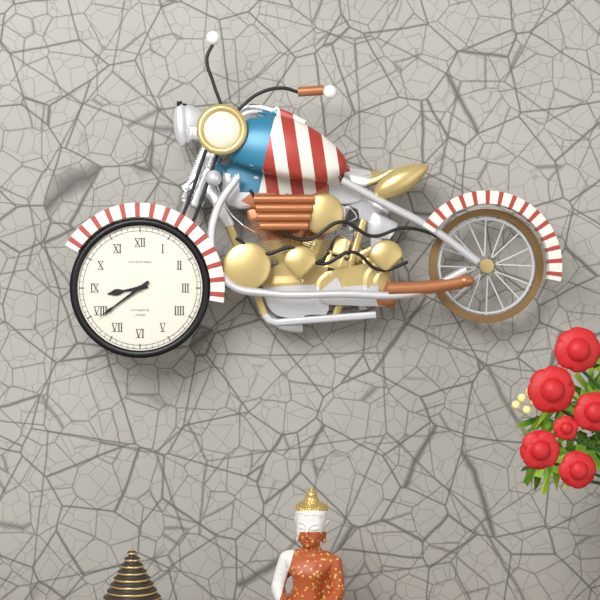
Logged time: 8:39
